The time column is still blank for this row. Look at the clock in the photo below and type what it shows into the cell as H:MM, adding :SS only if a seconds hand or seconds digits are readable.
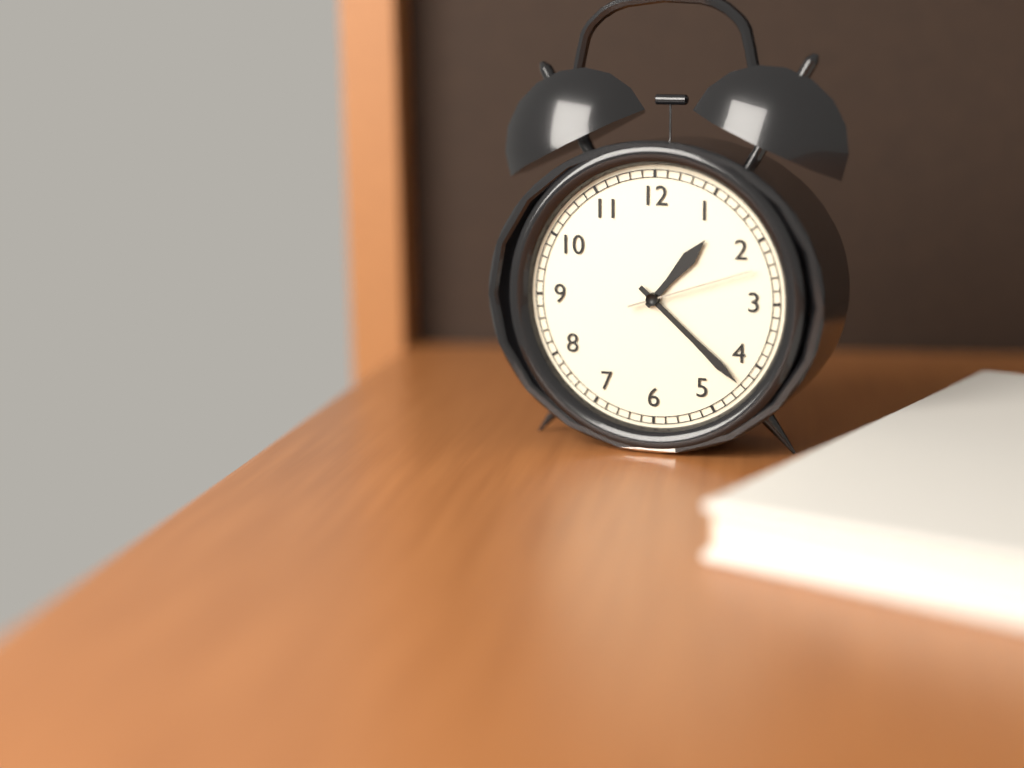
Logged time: 1:22:12
